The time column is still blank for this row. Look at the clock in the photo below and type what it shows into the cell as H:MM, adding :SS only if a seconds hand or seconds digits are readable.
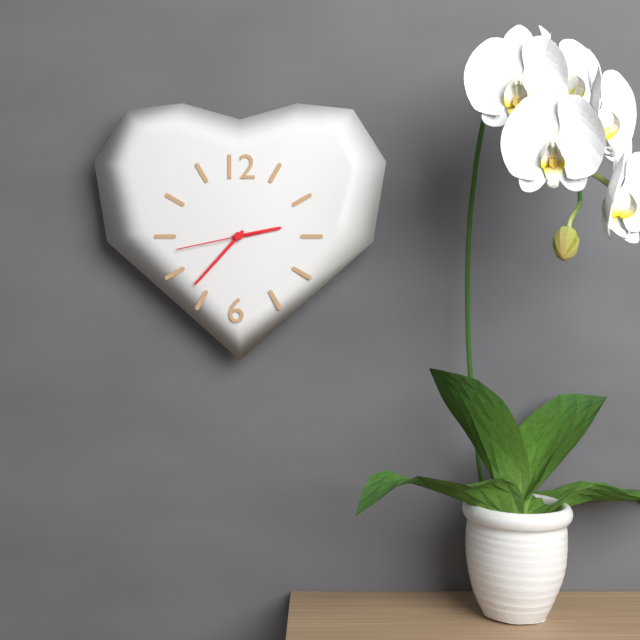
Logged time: 2:37:43
